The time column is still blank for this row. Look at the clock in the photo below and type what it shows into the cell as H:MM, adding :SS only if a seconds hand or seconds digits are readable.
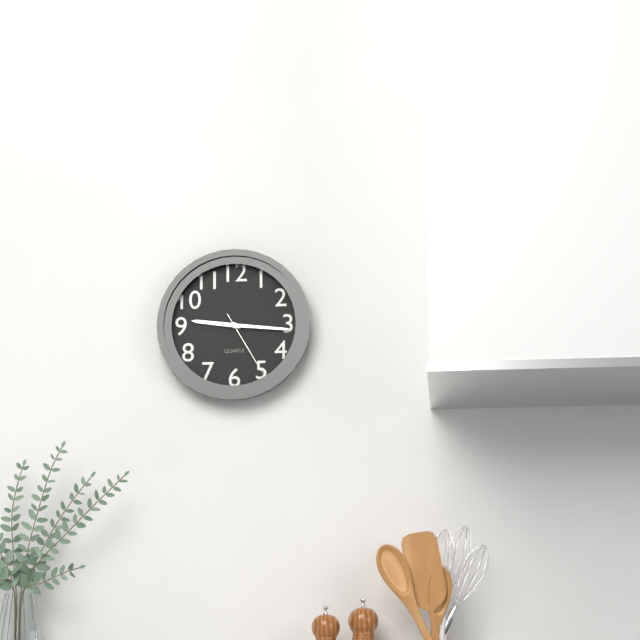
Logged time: 9:16:25
